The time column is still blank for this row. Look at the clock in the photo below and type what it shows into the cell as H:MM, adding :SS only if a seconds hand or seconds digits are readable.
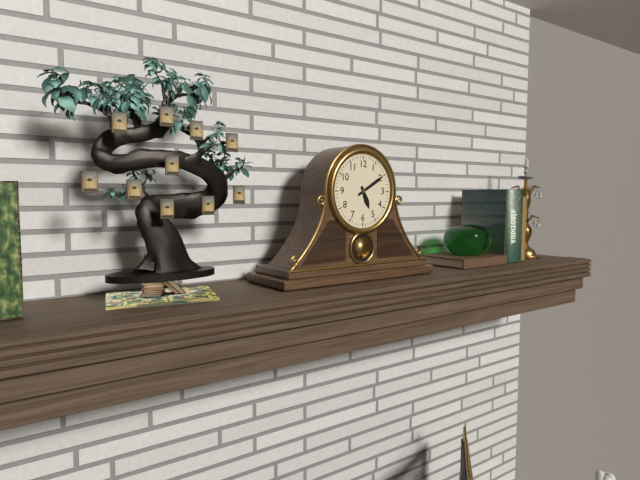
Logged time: 5:10
